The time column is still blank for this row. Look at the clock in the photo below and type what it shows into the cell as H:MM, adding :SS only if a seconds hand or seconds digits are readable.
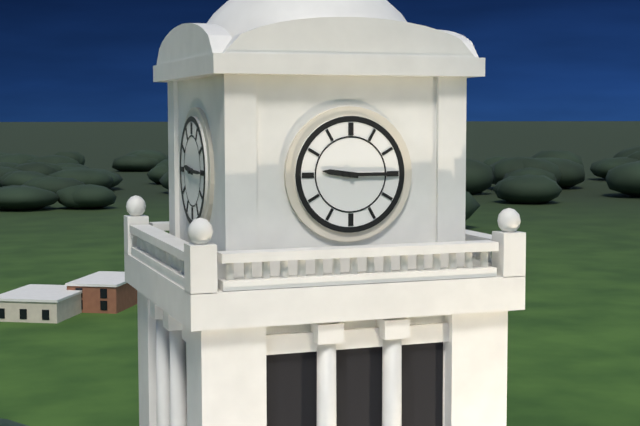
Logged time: 9:15
